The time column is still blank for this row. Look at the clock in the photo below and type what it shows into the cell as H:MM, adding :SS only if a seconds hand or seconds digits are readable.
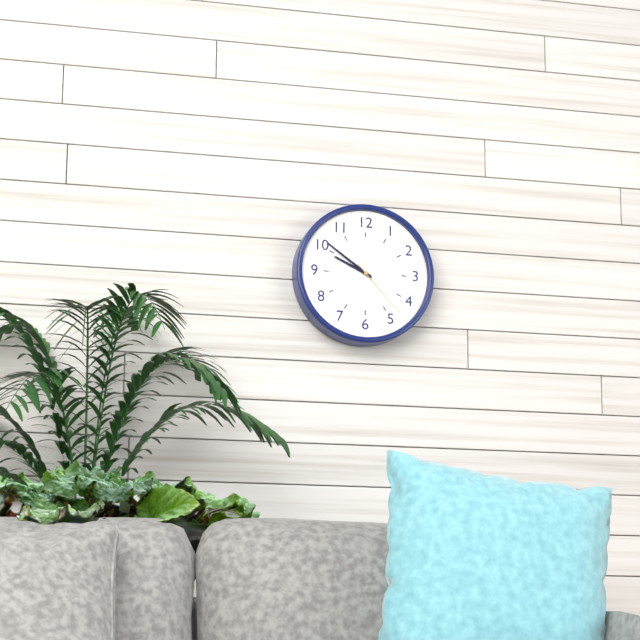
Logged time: 9:51:23
